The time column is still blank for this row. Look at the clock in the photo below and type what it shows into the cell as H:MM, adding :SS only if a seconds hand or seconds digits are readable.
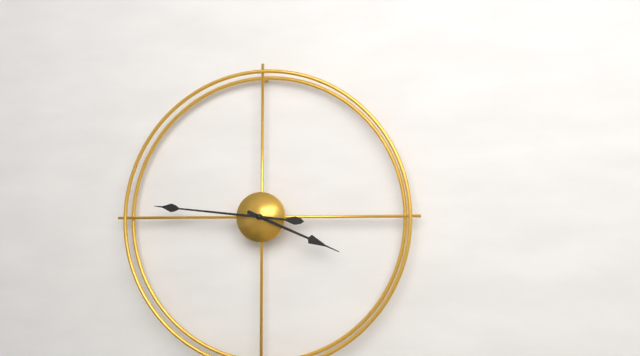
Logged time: 3:46
